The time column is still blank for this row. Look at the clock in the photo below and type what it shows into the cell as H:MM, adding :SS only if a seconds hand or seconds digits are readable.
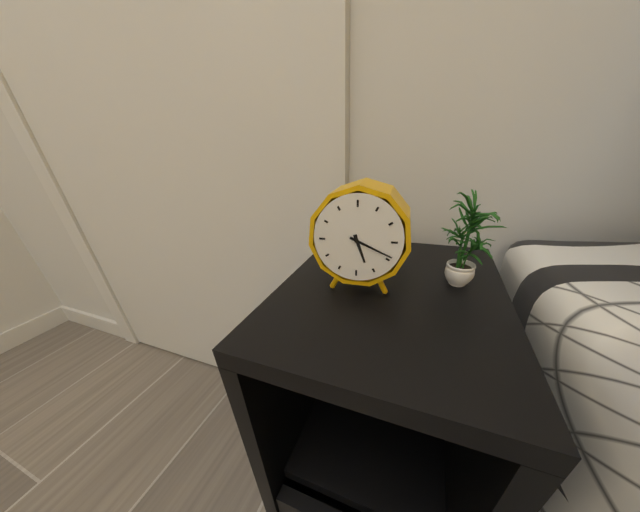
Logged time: 5:19
